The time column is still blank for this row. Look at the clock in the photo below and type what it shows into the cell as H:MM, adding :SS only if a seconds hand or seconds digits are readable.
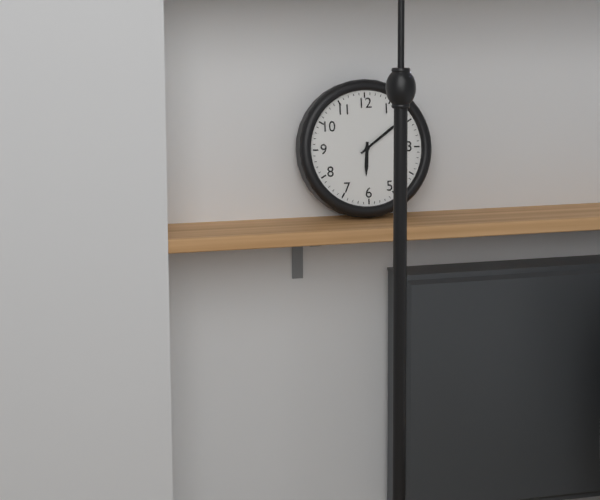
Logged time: 6:09
